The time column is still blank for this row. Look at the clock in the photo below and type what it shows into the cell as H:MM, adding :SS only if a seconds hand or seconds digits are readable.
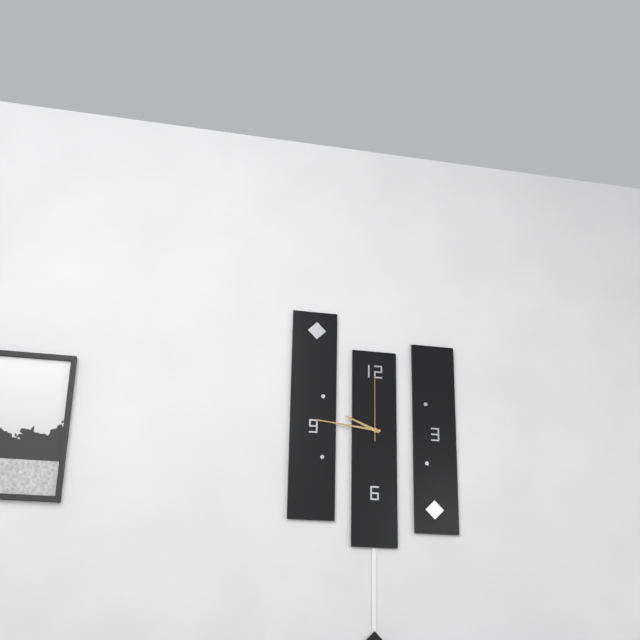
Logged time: 9:46:00
